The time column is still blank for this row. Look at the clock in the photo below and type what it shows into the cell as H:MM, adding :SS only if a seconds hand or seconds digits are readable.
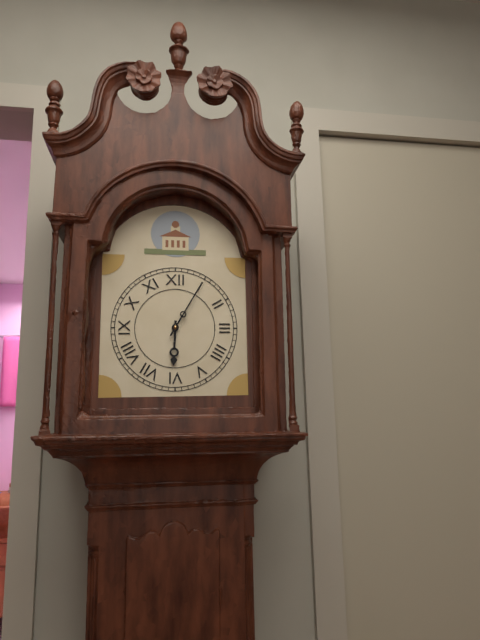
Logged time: 6:05
